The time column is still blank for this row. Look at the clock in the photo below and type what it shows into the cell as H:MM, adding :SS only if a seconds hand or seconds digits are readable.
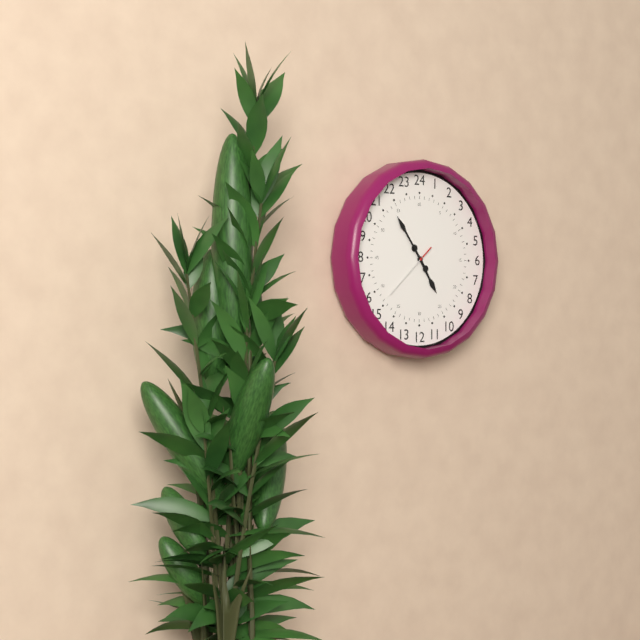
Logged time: 4:54
